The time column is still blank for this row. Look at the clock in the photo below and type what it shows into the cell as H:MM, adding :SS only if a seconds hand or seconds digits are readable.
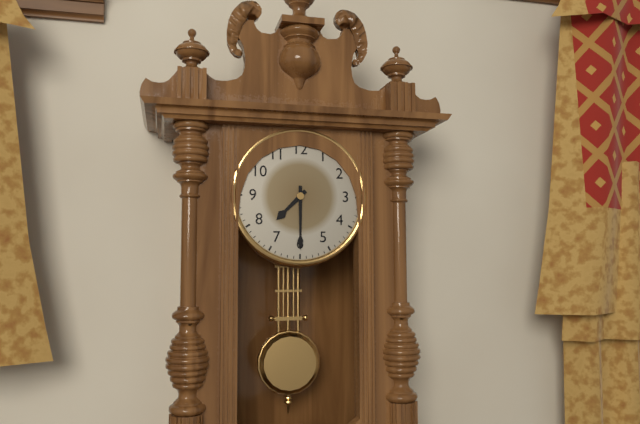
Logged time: 7:30
